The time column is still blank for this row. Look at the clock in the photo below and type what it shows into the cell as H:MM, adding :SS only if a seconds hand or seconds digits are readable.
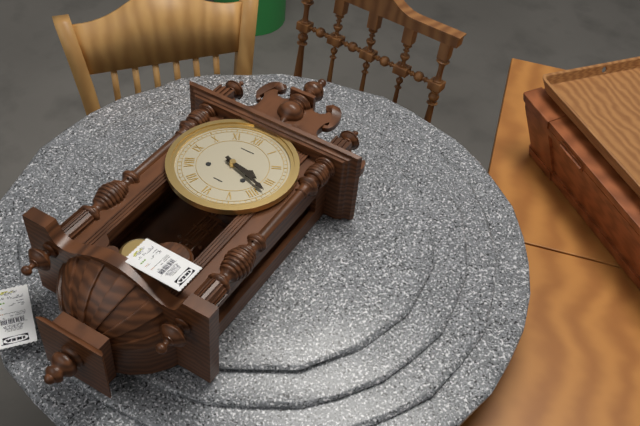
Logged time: 3:18
